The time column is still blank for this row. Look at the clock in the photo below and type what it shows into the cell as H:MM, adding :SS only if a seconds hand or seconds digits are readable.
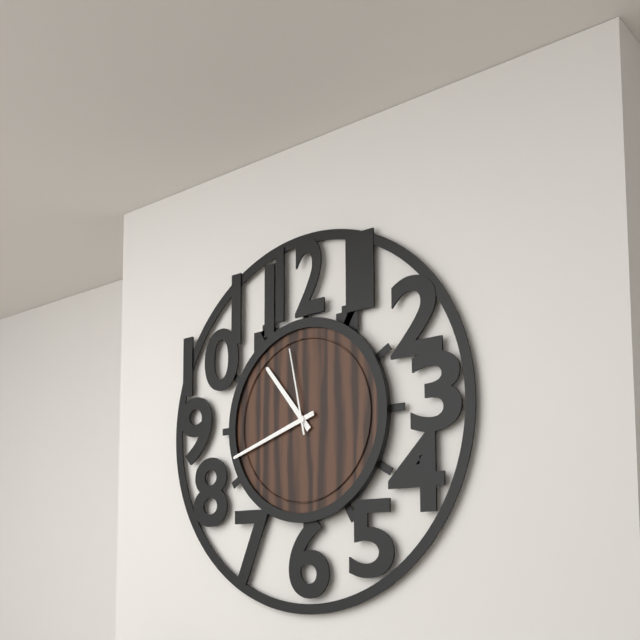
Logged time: 10:42:58
